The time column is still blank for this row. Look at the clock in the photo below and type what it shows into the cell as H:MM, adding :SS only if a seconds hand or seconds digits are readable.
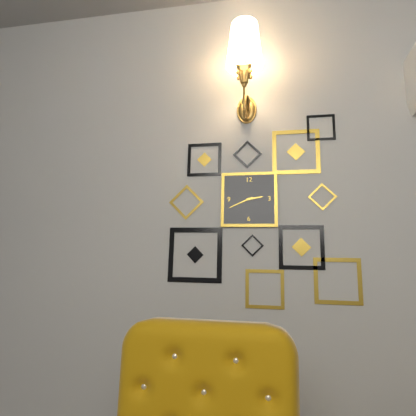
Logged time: 2:41
